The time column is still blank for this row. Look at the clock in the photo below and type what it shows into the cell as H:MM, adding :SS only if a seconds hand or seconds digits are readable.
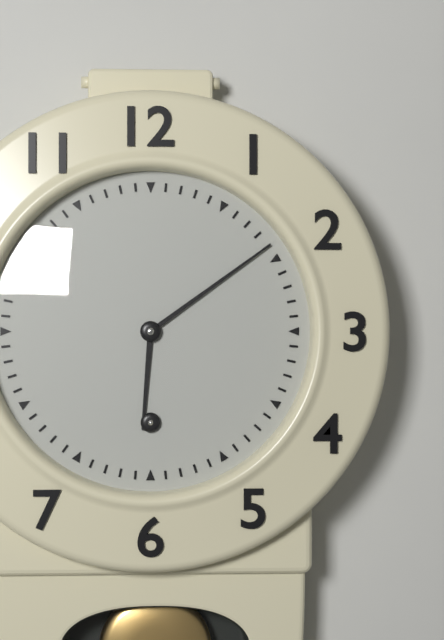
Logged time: 6:09
